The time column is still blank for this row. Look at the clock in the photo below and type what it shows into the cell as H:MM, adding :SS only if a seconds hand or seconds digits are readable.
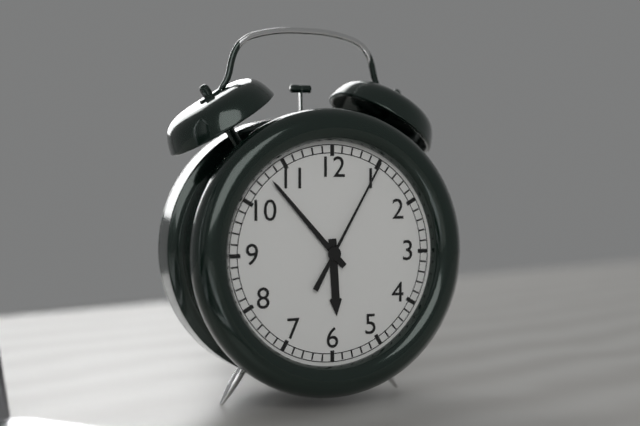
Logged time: 5:53:05
